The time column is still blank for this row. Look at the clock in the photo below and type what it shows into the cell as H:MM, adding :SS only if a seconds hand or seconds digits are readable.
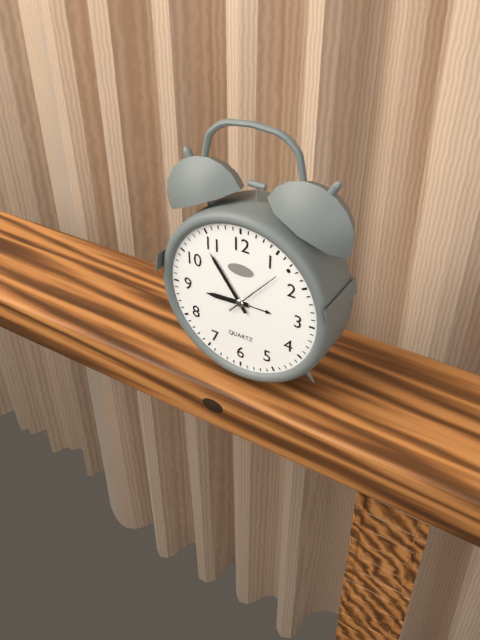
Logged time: 8:54:07
